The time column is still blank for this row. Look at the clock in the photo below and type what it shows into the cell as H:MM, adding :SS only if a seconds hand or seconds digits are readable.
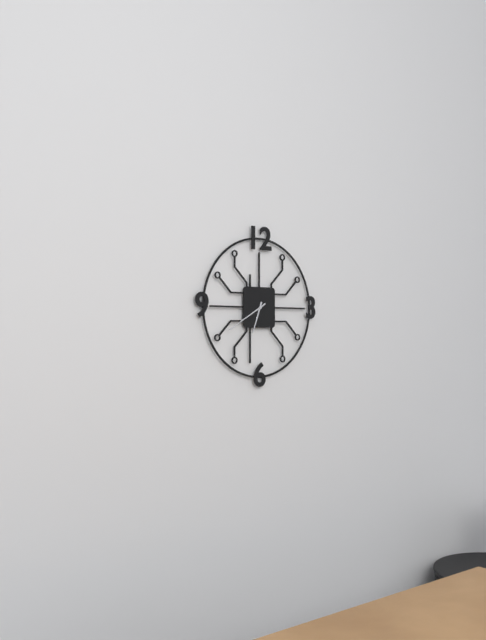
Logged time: 6:40
